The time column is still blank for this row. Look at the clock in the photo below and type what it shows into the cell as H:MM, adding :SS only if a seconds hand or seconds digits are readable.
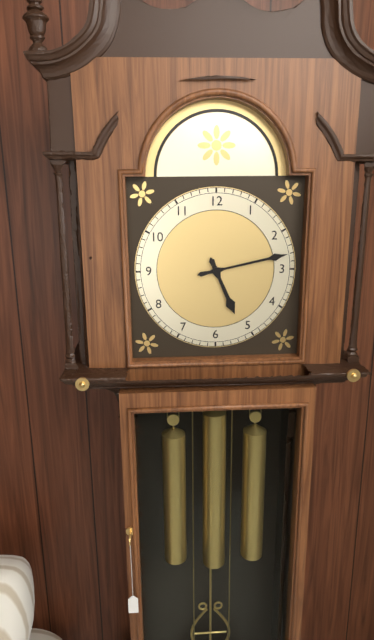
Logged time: 5:13
